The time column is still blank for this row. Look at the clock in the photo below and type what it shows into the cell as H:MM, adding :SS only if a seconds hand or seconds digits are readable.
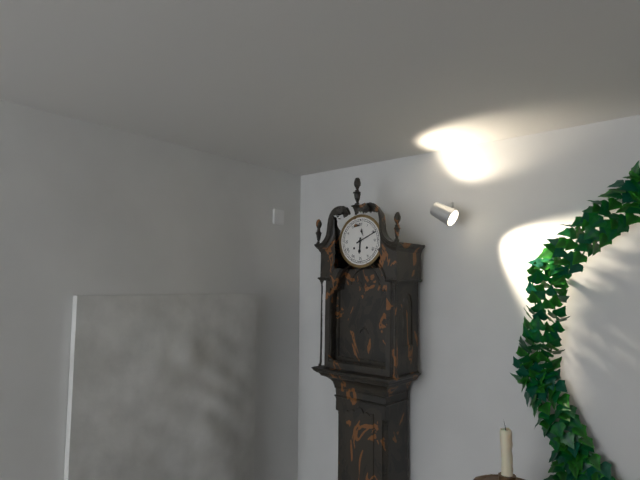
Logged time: 6:11
